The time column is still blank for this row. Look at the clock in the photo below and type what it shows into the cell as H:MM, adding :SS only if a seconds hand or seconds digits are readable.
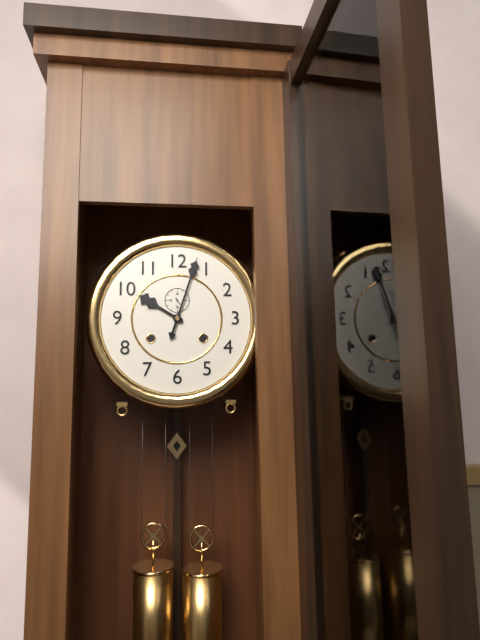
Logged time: 10:03
